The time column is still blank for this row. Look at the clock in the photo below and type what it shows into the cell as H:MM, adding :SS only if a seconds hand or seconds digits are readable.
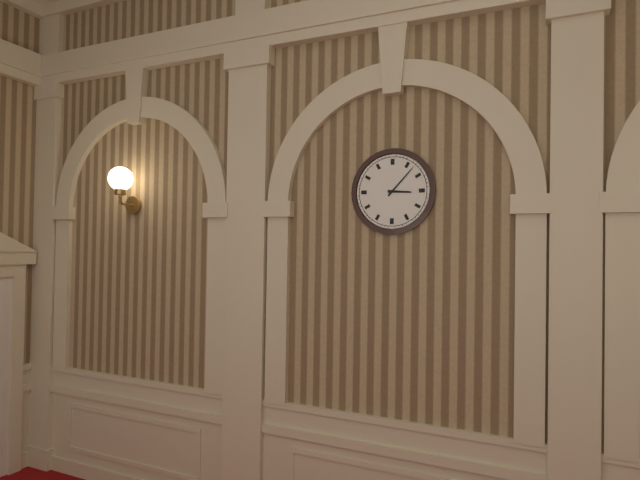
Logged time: 3:07
